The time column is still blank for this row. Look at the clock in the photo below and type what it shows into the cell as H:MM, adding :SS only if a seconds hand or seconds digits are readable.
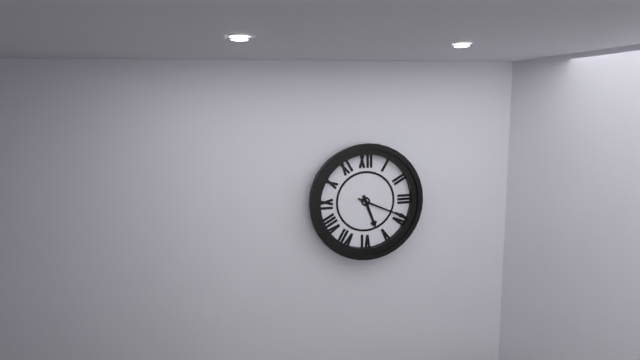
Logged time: 5:19
